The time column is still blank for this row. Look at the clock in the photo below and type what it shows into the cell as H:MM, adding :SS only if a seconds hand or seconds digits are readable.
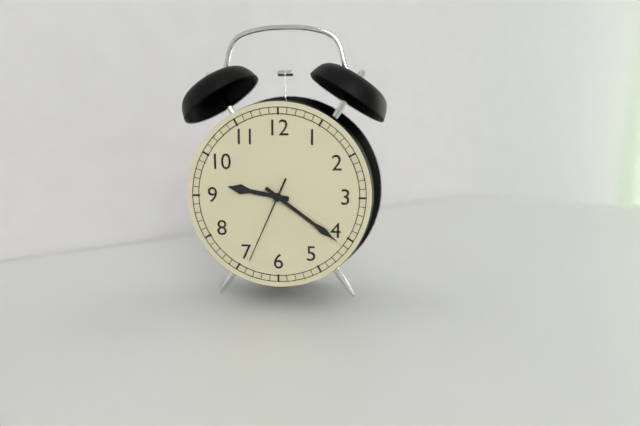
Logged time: 9:21:34
